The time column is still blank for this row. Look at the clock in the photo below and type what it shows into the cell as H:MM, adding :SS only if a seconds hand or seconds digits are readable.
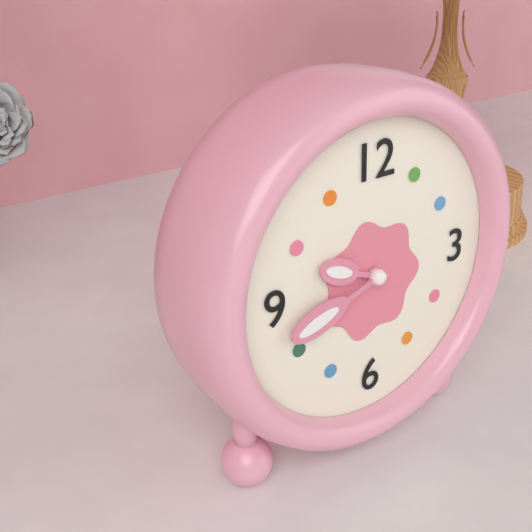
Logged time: 9:42
